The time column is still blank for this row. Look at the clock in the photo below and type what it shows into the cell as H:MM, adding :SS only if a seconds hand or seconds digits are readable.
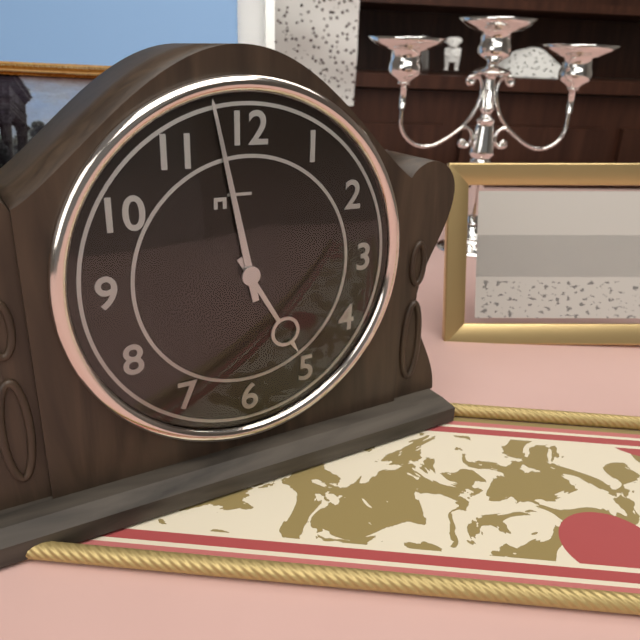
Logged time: 4:58
